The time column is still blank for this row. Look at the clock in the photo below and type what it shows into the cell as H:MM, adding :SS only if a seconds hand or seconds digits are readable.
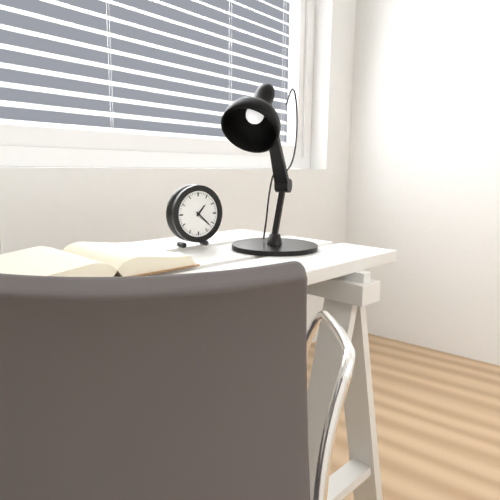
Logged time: 1:22
